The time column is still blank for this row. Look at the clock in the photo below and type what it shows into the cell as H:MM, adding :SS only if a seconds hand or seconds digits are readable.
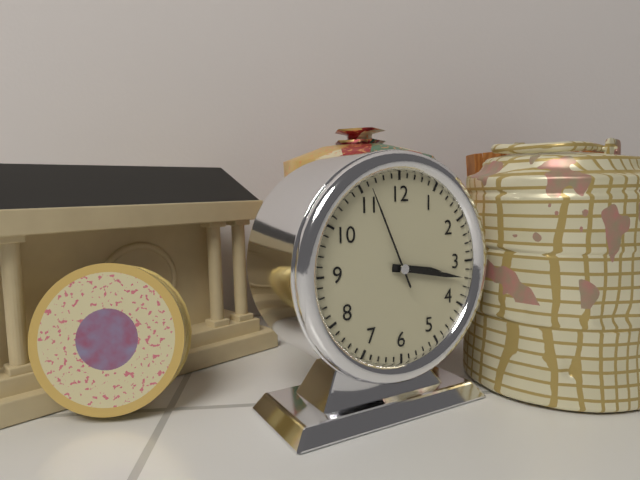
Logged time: 3:17:56
